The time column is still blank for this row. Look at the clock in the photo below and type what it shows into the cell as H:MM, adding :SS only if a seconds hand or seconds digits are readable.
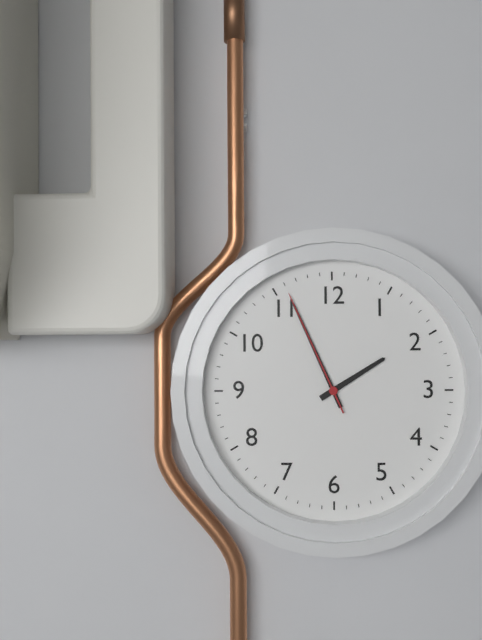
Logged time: 1:56:56
